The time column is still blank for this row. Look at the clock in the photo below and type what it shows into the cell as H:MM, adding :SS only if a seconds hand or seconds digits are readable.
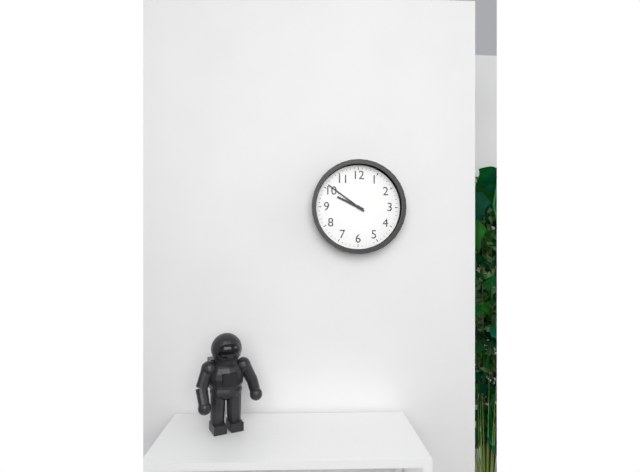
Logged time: 9:51
